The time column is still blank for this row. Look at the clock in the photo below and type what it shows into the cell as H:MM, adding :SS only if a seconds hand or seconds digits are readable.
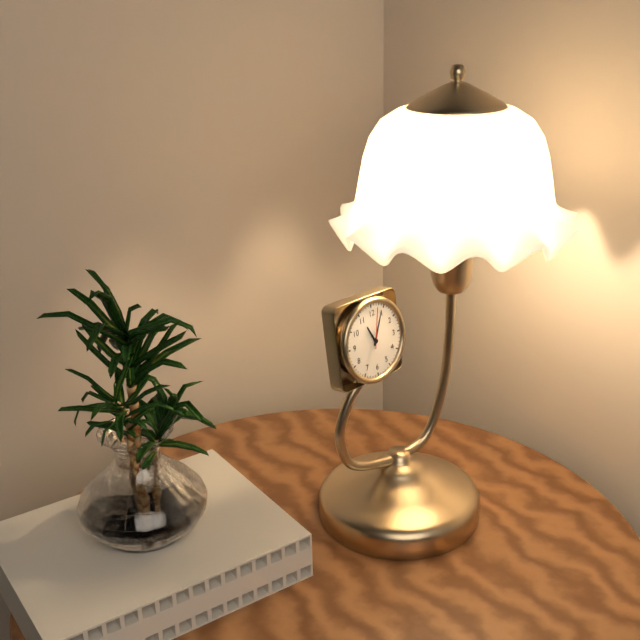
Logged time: 11:04
